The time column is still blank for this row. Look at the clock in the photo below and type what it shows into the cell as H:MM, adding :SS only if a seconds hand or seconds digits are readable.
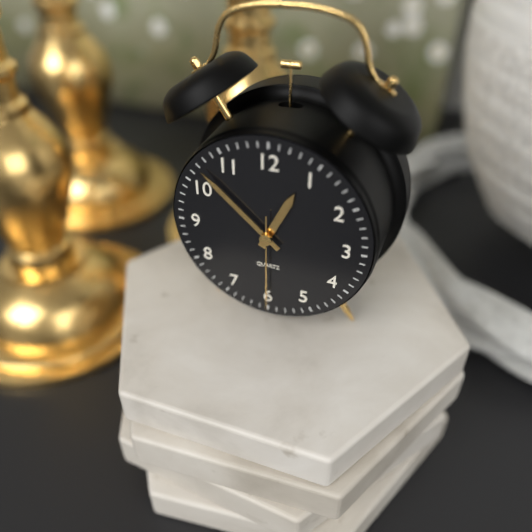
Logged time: 12:52:30
